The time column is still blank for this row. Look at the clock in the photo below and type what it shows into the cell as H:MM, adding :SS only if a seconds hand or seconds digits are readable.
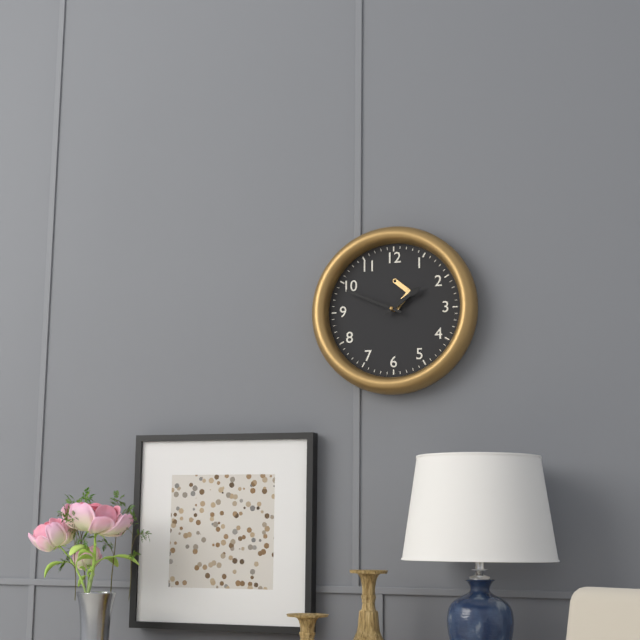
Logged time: 1:49
